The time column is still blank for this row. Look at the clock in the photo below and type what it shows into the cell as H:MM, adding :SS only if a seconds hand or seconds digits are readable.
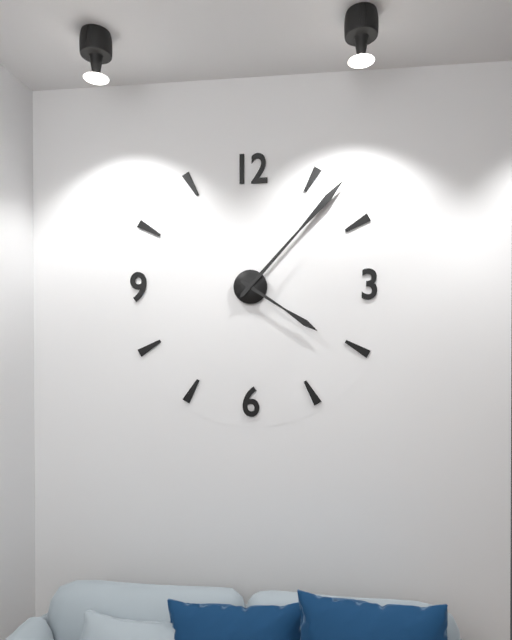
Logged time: 4:07
